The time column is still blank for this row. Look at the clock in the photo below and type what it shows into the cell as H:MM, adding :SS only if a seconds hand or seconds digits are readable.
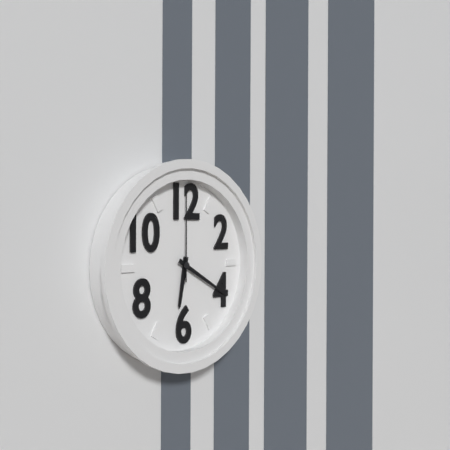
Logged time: 6:20:00
